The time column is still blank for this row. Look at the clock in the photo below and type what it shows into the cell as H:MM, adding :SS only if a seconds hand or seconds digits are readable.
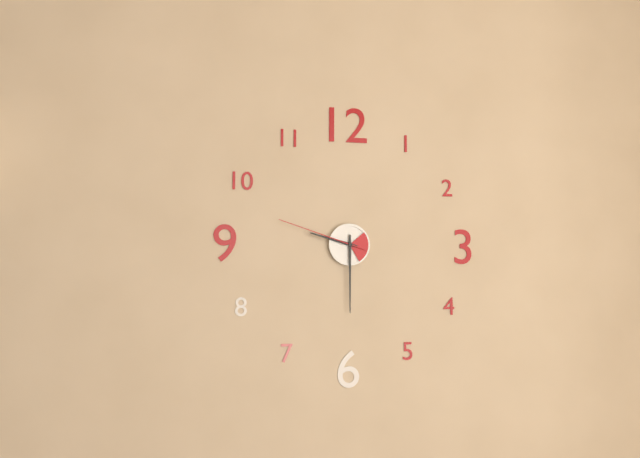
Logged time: 9:30:48
